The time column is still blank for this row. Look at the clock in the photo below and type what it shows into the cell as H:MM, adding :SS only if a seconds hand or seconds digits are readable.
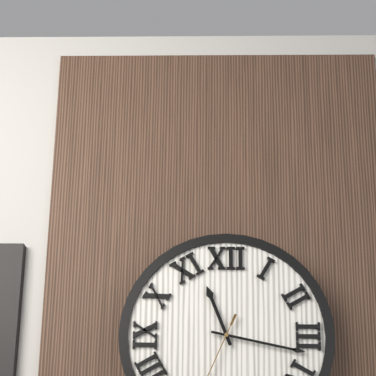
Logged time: 11:17
